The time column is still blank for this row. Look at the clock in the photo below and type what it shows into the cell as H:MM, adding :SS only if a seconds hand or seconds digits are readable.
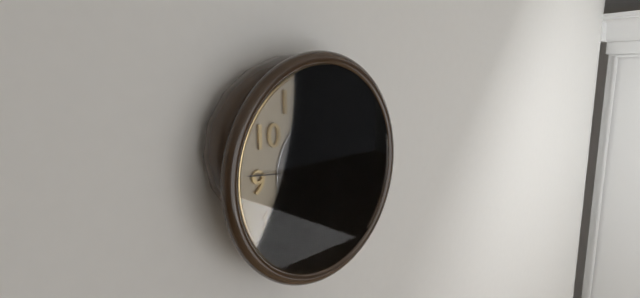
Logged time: 9:41:46
